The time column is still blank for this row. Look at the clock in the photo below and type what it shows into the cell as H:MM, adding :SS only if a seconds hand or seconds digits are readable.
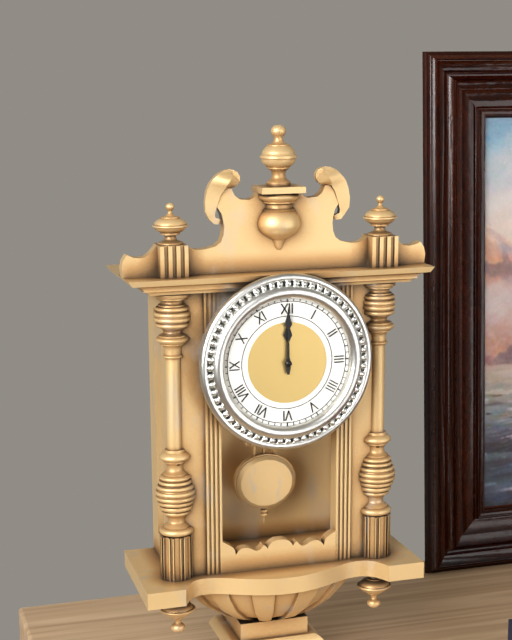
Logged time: 12:00
